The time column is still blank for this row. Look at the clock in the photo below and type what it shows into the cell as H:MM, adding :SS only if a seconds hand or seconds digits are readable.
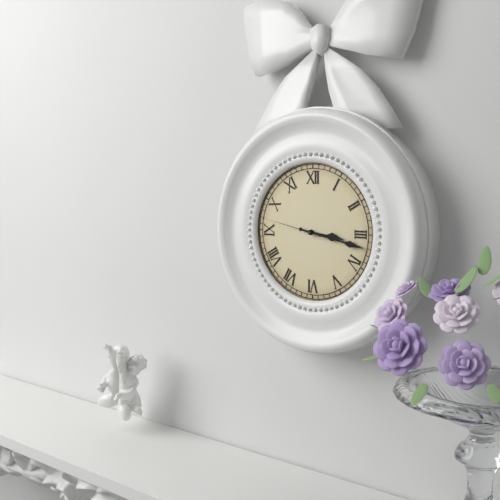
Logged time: 3:17:47
